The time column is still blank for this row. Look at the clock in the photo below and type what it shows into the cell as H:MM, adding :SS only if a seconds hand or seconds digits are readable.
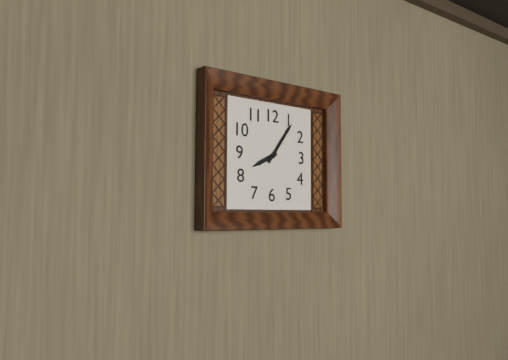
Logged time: 8:06
